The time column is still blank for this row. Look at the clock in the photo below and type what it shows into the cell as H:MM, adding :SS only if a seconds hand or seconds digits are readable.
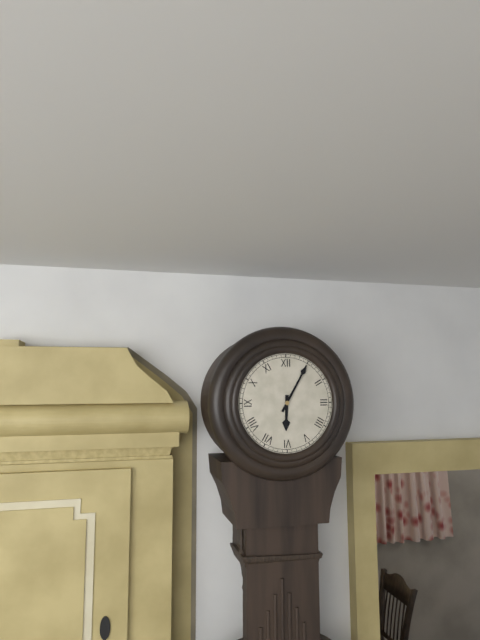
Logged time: 6:05
